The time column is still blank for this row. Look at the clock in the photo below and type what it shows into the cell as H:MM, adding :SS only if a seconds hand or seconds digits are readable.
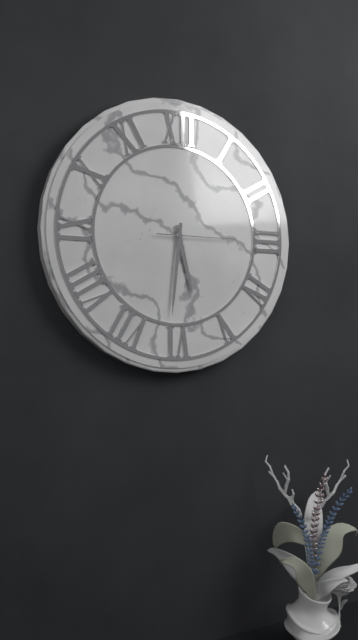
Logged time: 5:31:15
